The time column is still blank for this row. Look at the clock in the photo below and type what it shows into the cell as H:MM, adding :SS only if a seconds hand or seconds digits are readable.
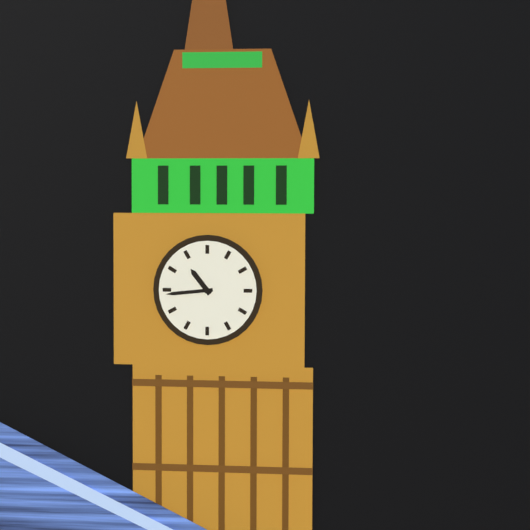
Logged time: 10:44
